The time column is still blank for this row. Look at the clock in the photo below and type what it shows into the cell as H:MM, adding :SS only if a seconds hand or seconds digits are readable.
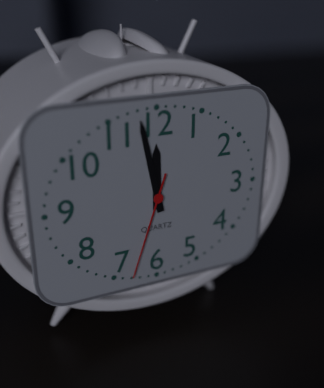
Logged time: 11:58:33
